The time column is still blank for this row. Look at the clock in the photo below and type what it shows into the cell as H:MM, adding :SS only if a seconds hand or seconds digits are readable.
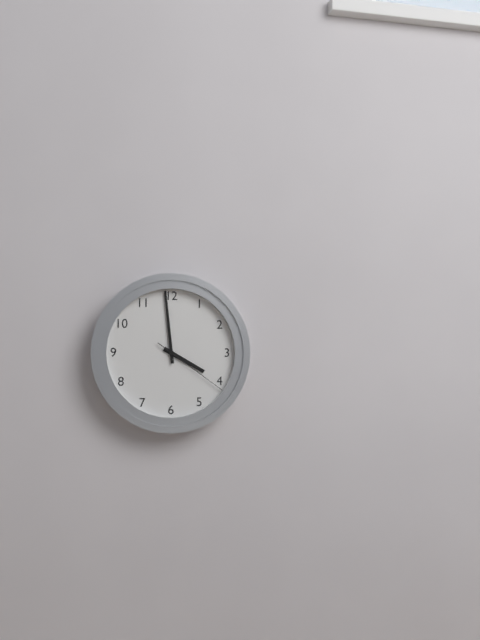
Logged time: 3:59:21
